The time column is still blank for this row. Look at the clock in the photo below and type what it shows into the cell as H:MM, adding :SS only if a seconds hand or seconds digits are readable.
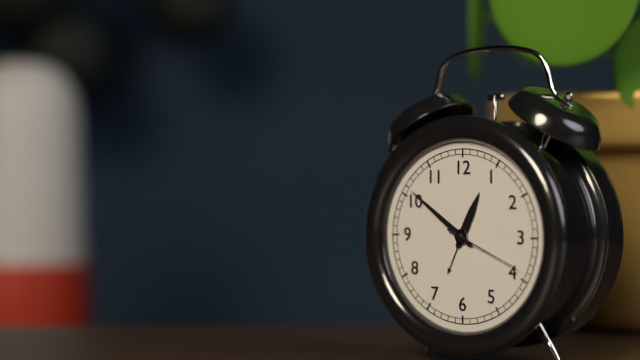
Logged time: 12:51:19
